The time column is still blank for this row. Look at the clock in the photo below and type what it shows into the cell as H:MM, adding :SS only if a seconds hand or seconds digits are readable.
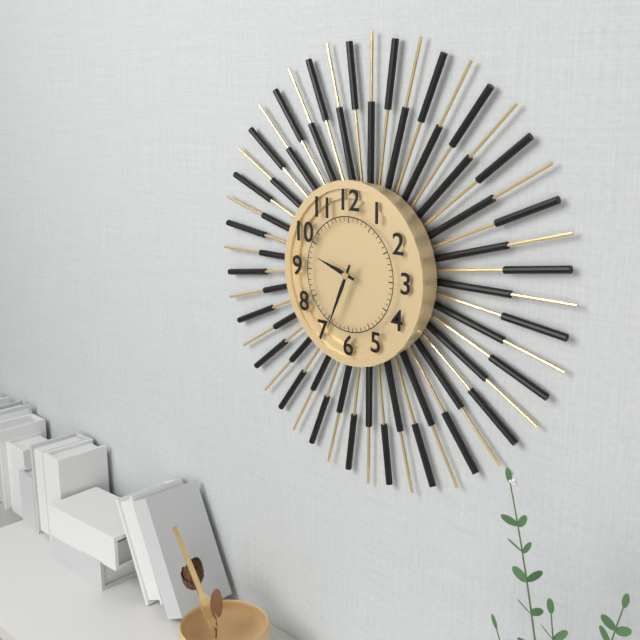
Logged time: 9:34
